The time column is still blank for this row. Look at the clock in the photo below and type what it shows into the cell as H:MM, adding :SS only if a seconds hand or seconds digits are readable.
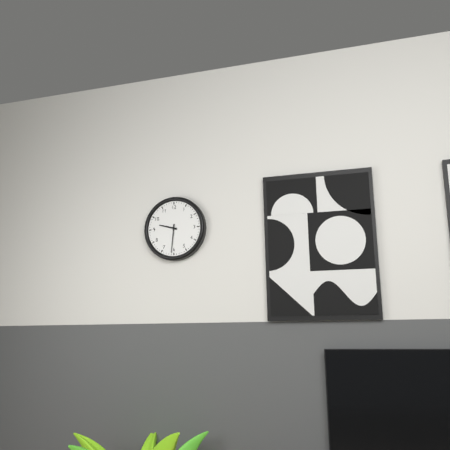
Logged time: 9:31
